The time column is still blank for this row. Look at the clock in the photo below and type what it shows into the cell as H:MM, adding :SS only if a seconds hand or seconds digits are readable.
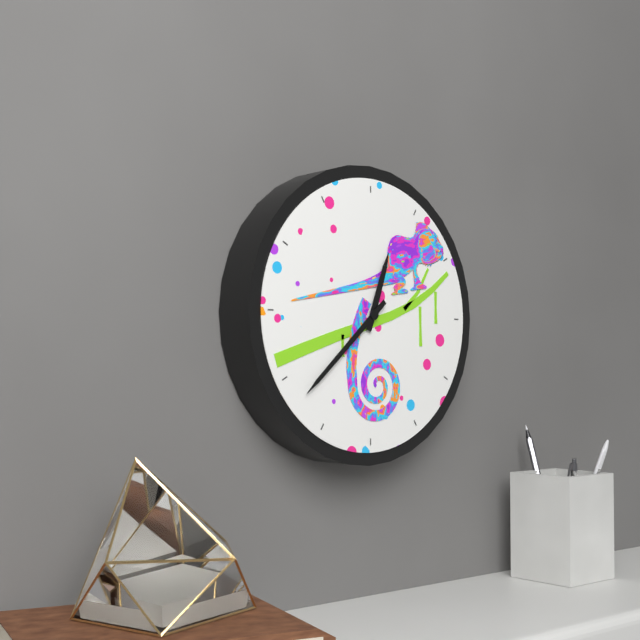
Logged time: 12:38
